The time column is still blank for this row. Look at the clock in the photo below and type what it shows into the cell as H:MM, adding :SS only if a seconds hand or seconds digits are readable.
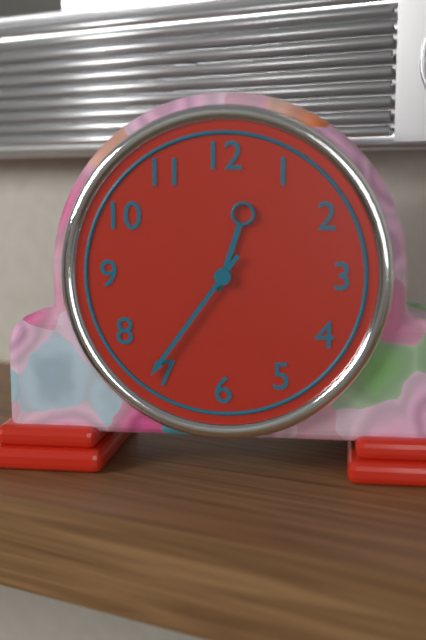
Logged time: 12:36
